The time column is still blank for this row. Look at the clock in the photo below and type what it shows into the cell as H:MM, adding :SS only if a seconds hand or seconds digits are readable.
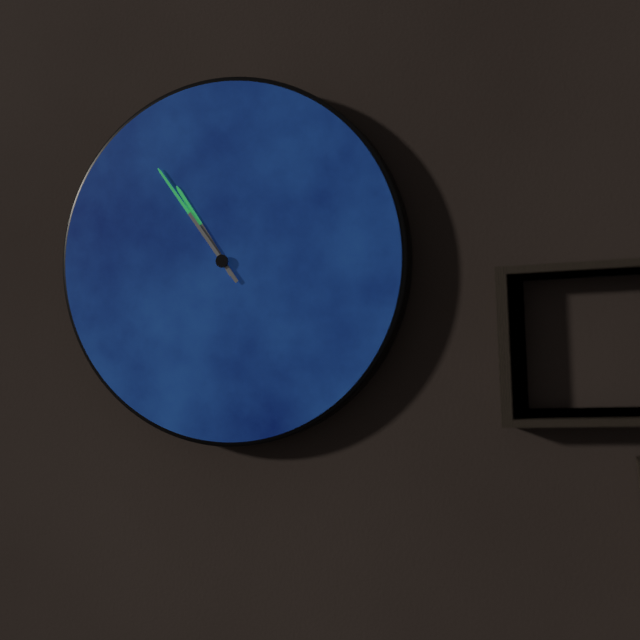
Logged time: 10:54
